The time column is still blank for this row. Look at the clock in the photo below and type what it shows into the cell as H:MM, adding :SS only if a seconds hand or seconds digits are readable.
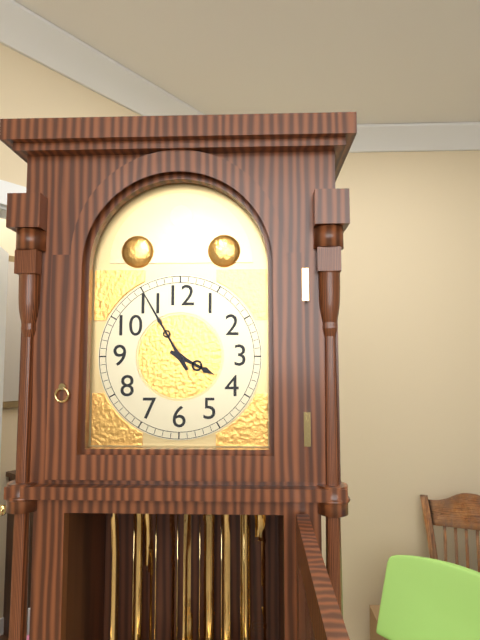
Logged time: 3:55
